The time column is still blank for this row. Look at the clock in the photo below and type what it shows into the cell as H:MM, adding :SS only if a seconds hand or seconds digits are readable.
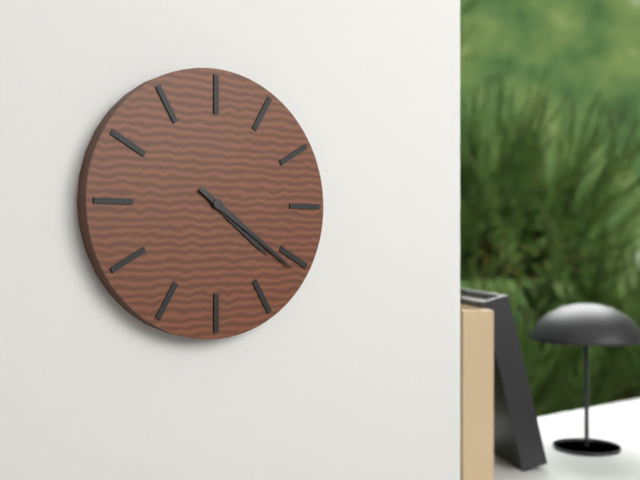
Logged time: 4:21
